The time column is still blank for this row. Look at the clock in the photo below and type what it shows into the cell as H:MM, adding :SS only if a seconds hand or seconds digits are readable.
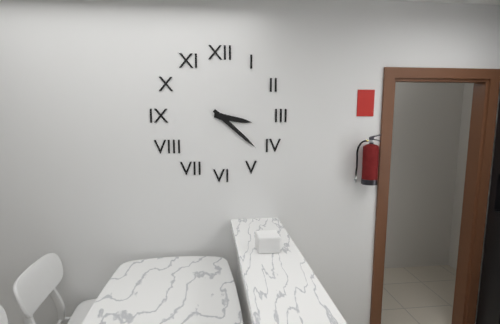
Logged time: 3:22
